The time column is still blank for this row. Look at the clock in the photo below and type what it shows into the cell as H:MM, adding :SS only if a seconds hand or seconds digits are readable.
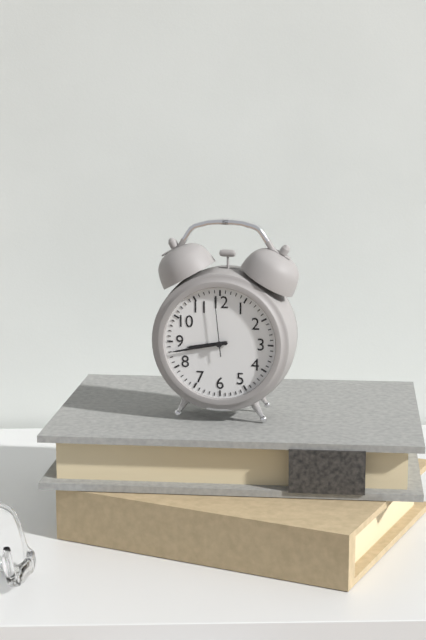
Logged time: 8:43:59
